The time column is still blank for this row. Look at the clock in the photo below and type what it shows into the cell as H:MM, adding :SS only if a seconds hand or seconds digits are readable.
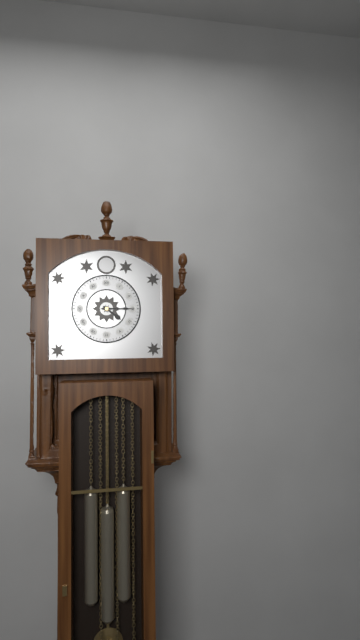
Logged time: 4:15
